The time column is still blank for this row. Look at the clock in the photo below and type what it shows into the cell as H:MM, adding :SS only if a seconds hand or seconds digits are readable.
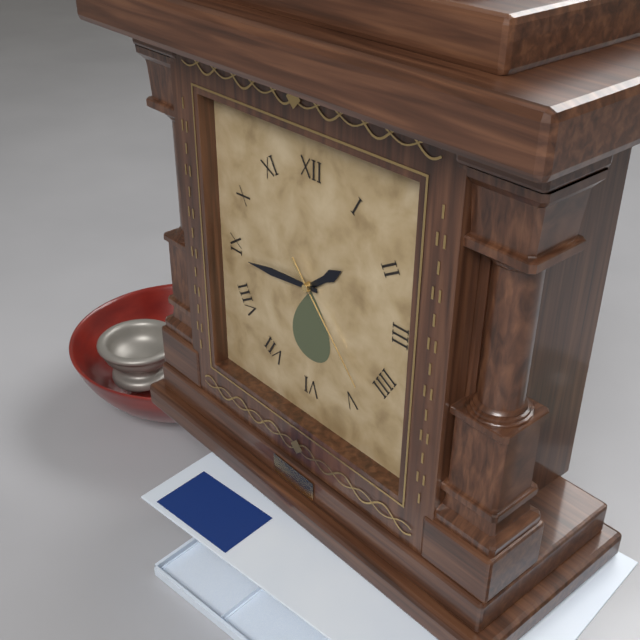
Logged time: 1:44:23
